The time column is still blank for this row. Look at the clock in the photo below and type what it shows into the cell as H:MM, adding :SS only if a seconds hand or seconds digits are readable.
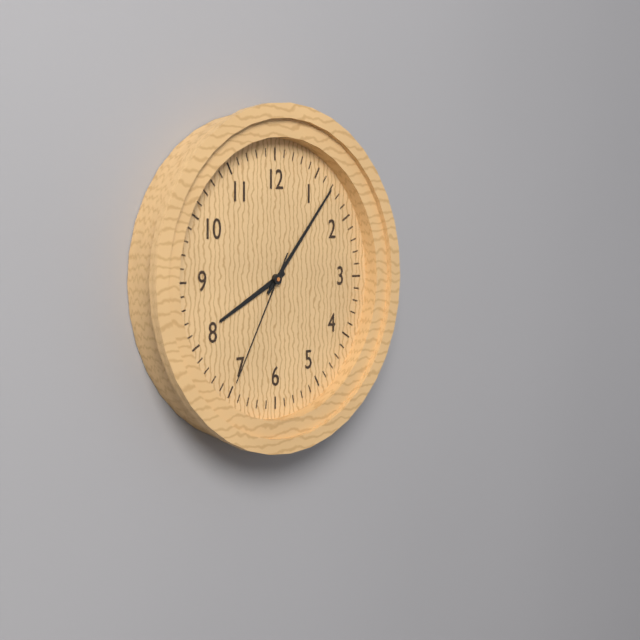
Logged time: 8:07:35
